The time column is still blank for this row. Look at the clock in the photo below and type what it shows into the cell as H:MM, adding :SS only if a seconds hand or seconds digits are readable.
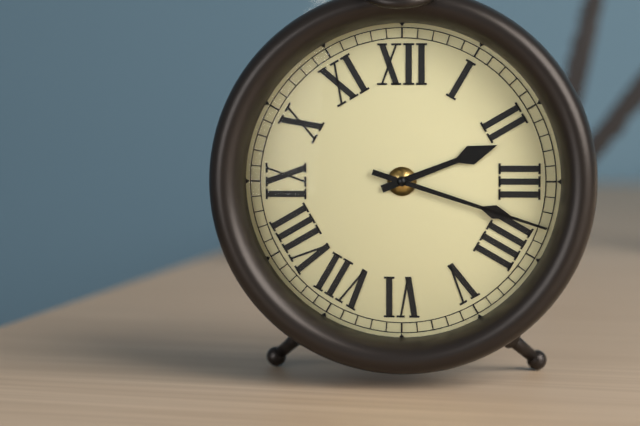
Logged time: 2:18
